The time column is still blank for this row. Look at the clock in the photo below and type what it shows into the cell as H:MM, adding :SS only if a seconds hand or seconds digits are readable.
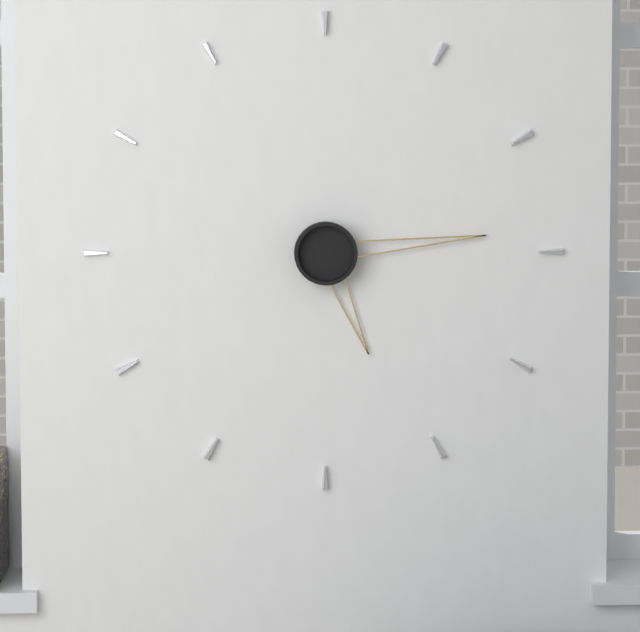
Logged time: 5:14
